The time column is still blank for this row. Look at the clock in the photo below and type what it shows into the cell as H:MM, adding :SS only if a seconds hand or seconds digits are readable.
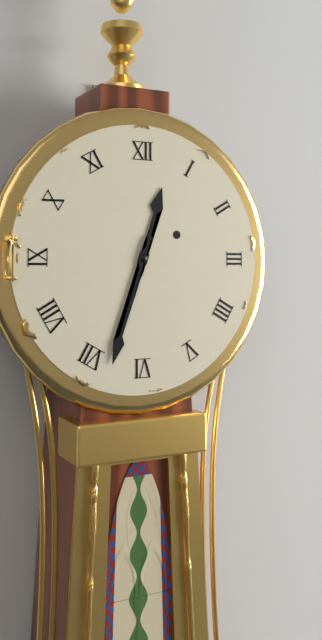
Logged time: 12:33
